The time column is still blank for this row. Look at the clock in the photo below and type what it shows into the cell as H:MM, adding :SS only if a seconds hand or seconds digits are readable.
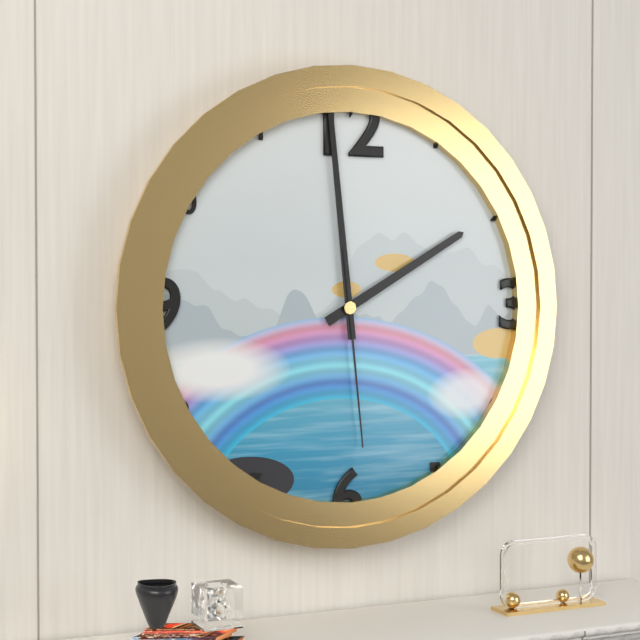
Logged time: 1:59:29
